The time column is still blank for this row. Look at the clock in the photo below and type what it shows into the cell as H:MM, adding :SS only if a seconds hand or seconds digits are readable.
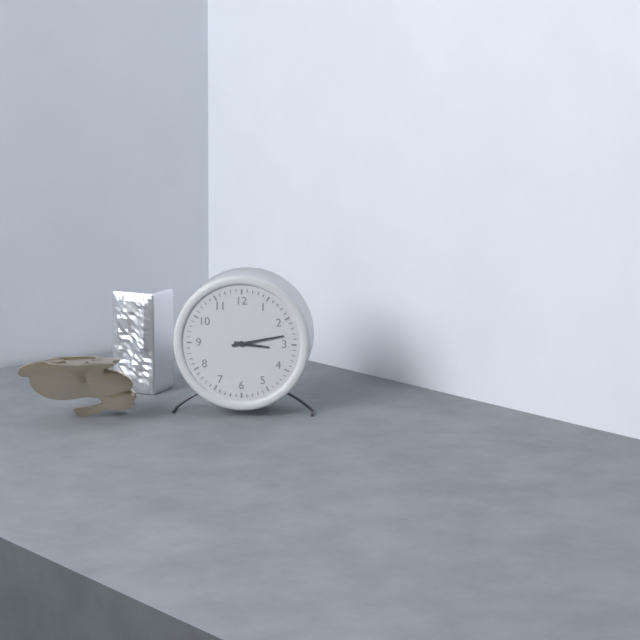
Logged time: 3:13
